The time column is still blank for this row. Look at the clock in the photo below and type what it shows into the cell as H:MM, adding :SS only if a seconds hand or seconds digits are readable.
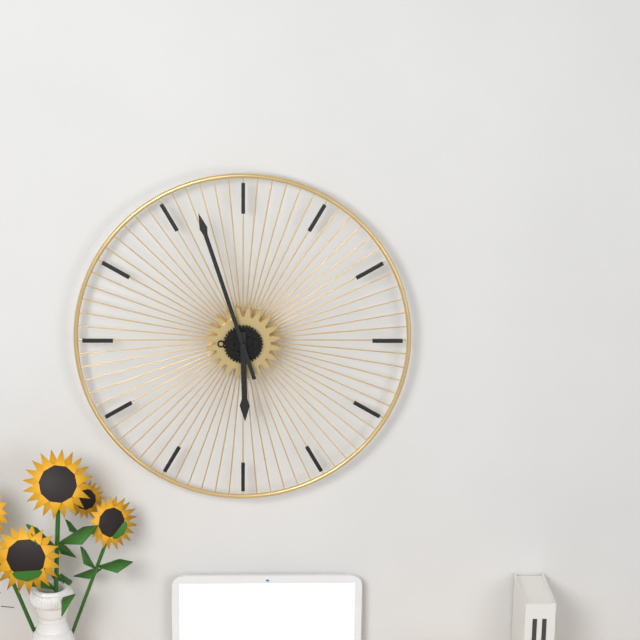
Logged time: 5:57
